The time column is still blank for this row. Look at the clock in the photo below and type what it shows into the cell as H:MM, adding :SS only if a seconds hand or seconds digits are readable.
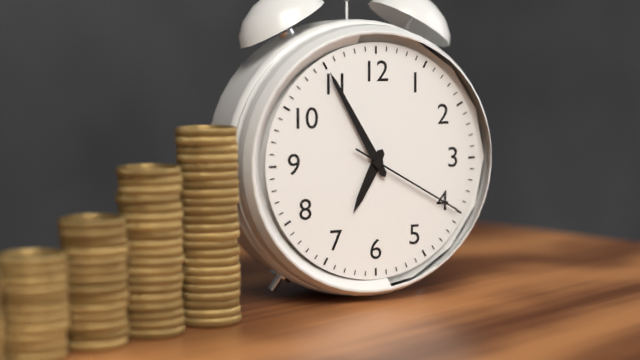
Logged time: 6:55:20
